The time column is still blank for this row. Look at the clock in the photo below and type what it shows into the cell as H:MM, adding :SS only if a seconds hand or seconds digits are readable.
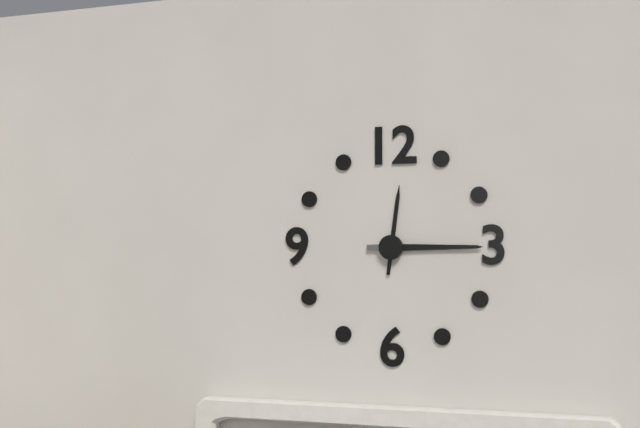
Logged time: 12:15
